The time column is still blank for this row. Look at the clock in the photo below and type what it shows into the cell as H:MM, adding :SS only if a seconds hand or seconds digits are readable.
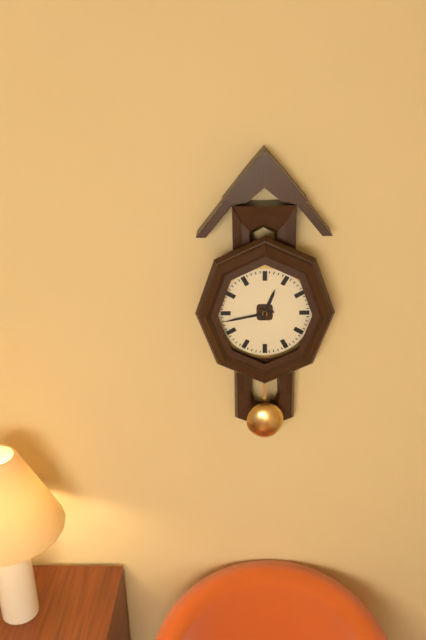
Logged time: 12:43
